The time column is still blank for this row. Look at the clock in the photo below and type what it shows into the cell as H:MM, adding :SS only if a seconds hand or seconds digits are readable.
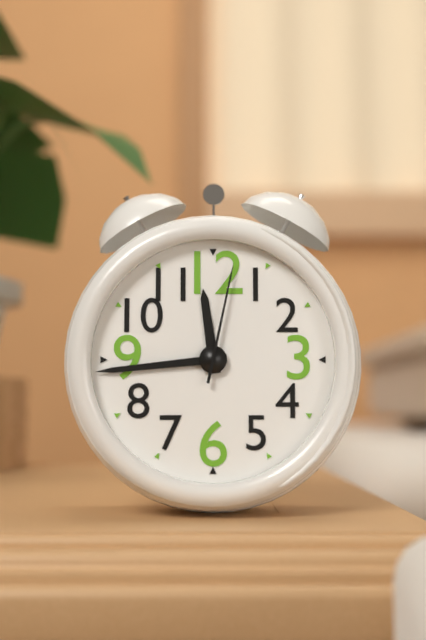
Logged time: 11:44:02
